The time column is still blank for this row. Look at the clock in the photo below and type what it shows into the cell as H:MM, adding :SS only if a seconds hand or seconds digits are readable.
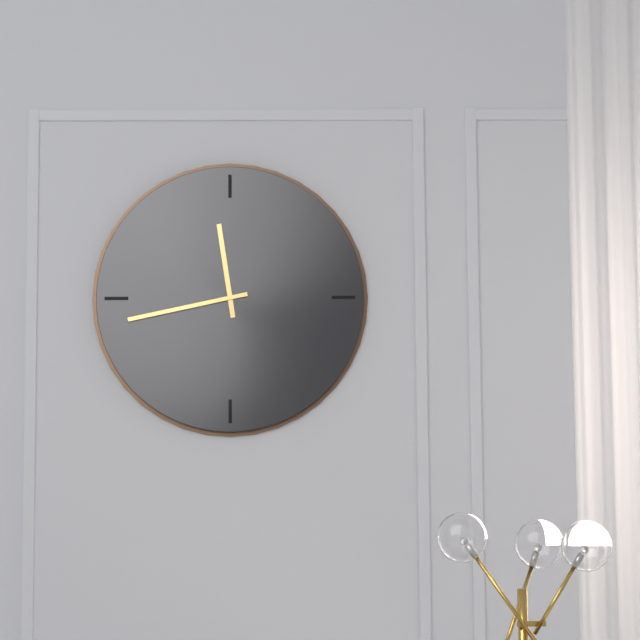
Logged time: 11:43
